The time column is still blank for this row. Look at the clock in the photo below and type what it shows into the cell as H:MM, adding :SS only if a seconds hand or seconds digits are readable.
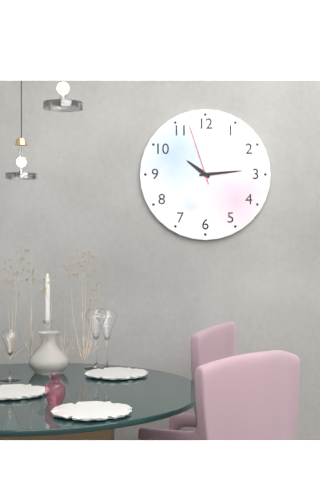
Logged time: 10:14:57
